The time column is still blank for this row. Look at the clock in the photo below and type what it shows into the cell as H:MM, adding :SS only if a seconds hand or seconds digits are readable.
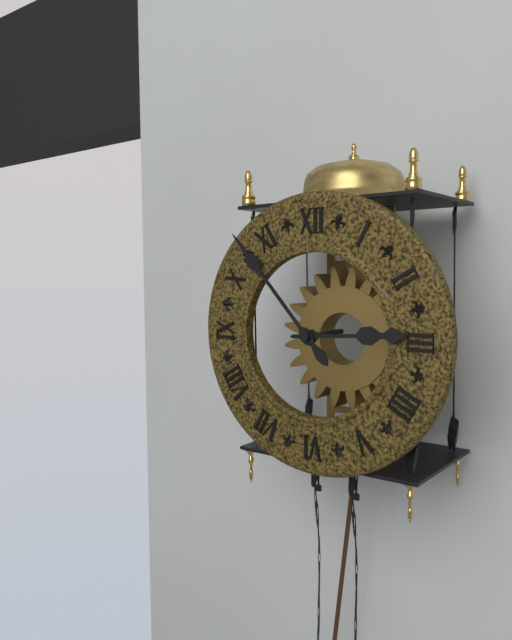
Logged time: 2:53
